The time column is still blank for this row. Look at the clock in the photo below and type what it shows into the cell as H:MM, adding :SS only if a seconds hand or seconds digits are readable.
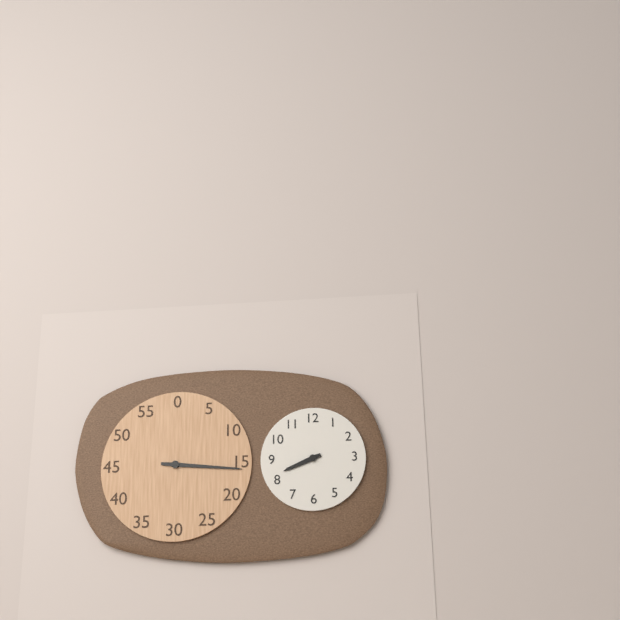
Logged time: 8:16
